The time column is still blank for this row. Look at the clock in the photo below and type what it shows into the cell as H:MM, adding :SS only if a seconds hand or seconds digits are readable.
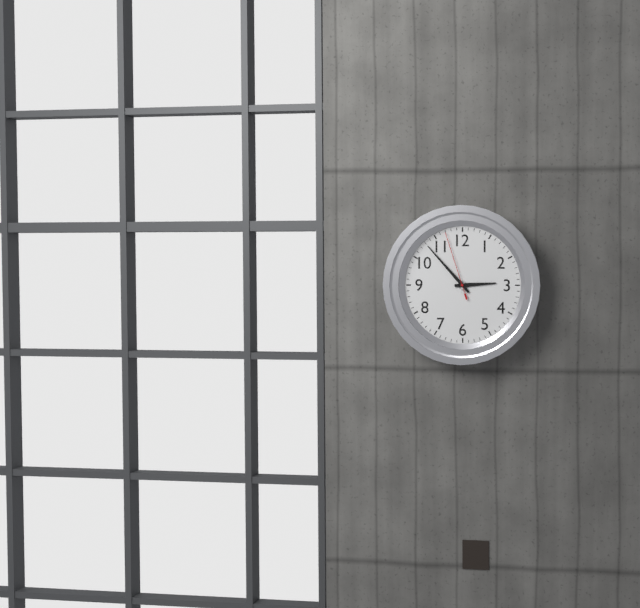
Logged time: 2:53:57
